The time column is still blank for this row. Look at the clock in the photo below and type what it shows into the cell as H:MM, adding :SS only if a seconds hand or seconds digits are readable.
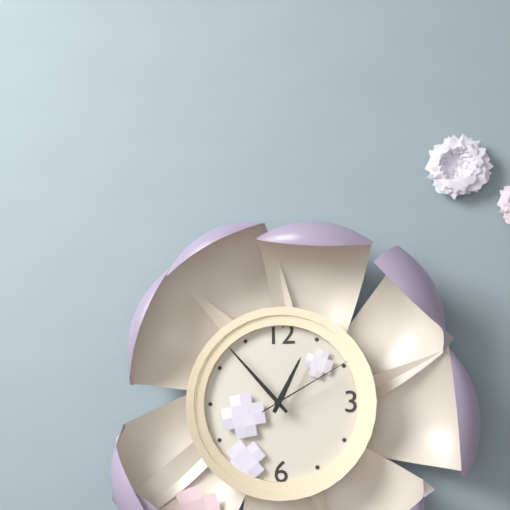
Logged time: 12:53:10
